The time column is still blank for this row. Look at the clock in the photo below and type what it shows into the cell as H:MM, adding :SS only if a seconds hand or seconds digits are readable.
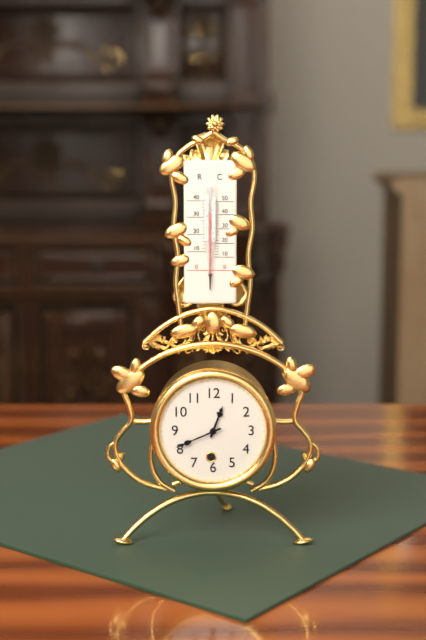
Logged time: 12:41
